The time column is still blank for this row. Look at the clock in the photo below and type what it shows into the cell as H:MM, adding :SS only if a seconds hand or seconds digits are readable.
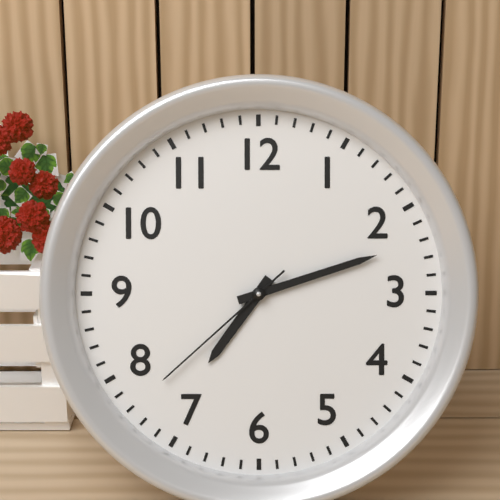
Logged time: 7:12:38
